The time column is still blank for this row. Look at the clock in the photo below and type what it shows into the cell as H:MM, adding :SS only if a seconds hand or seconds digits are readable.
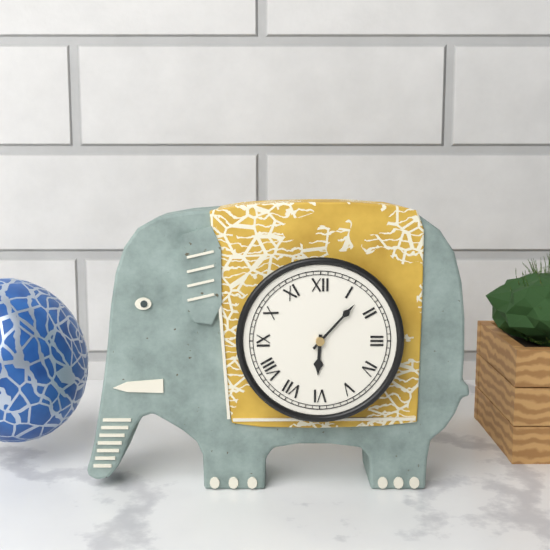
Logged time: 6:07
